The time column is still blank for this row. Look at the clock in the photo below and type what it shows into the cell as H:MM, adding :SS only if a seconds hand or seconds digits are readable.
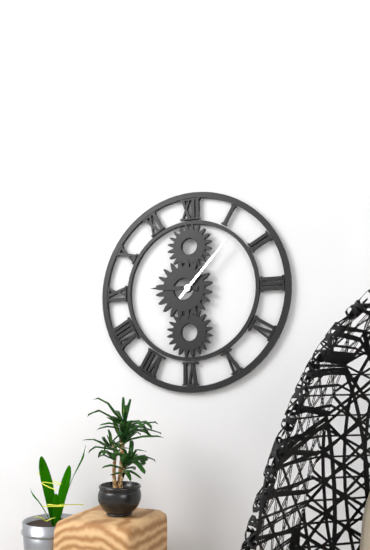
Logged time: 9:07
